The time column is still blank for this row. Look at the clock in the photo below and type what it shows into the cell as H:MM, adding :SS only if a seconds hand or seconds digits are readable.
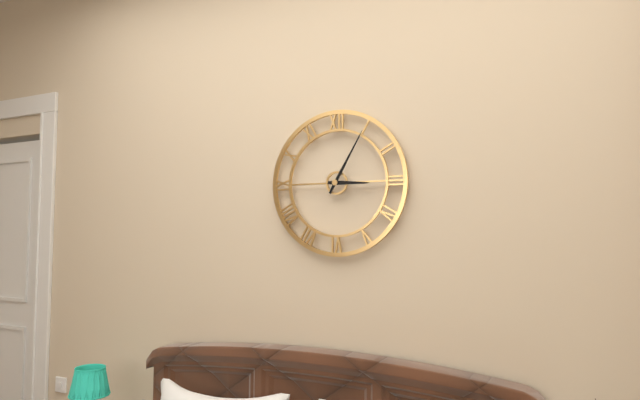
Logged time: 3:05
